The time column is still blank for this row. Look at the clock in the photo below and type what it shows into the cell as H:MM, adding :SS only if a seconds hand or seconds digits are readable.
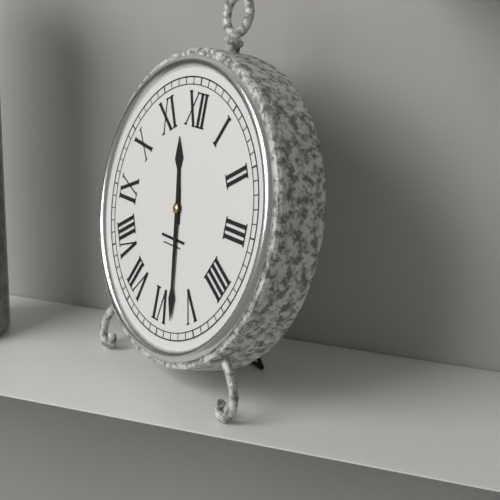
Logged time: 11:28
